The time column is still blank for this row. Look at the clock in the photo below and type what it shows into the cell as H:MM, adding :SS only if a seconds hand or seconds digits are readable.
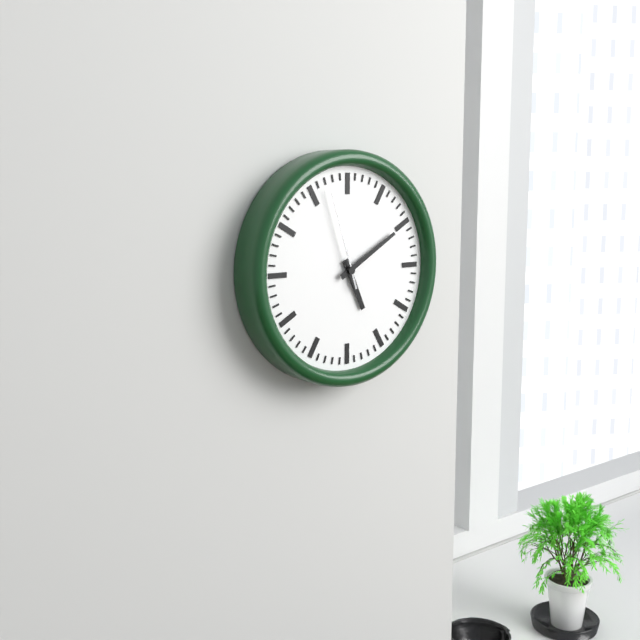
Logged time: 5:10:57
